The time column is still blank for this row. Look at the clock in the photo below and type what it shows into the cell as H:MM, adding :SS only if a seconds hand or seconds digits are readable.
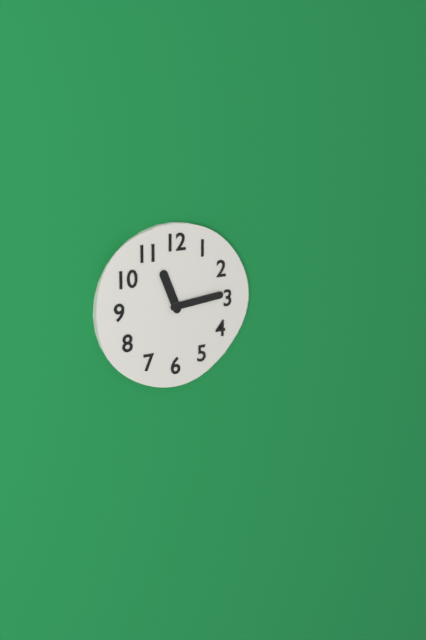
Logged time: 11:14
